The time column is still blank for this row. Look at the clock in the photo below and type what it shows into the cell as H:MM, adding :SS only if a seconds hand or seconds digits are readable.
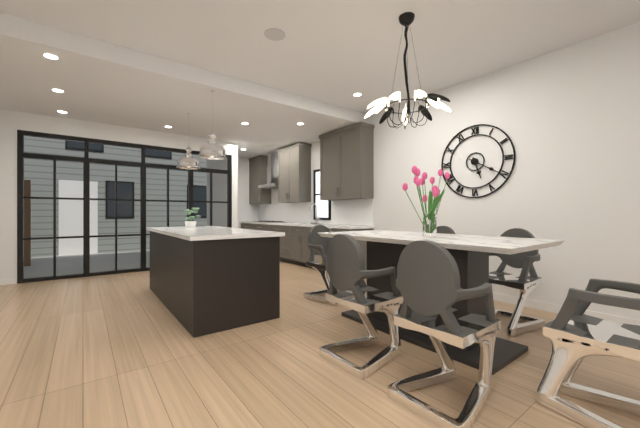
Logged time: 5:20
